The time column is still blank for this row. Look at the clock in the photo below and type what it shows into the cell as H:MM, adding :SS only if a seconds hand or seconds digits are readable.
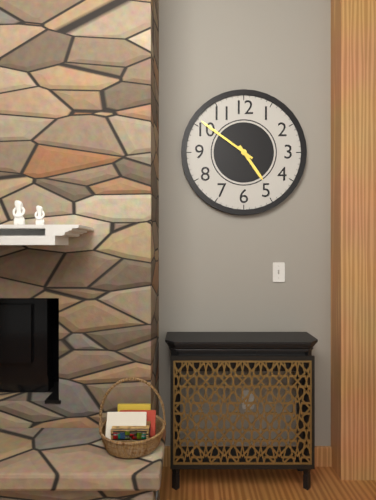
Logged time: 4:51
